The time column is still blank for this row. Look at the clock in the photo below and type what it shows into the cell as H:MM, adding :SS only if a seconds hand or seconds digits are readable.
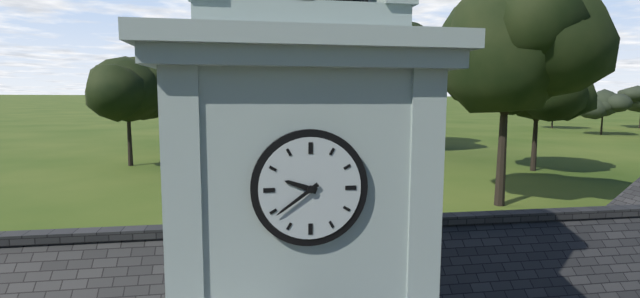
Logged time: 9:39
